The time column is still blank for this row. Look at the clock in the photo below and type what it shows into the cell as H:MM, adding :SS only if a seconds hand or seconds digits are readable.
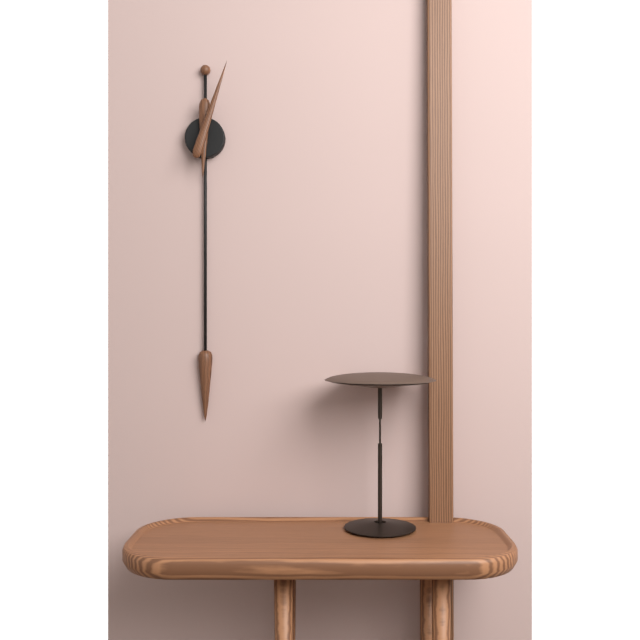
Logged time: 6:03
